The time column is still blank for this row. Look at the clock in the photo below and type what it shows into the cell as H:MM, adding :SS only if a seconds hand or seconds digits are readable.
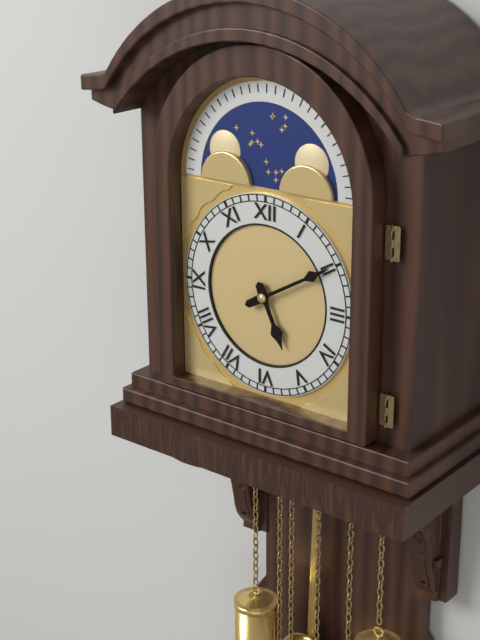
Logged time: 5:10
